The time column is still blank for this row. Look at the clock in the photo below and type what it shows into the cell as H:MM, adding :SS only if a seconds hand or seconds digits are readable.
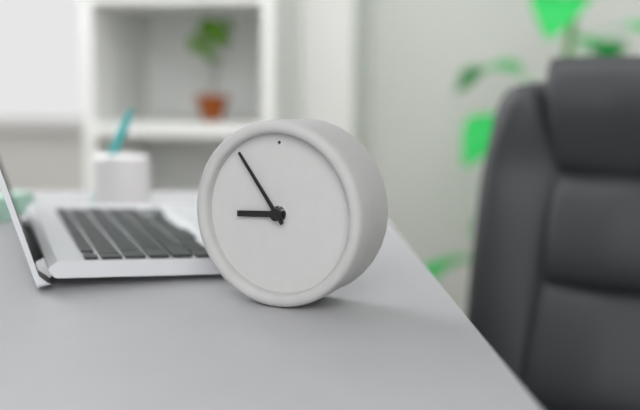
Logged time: 8:54
